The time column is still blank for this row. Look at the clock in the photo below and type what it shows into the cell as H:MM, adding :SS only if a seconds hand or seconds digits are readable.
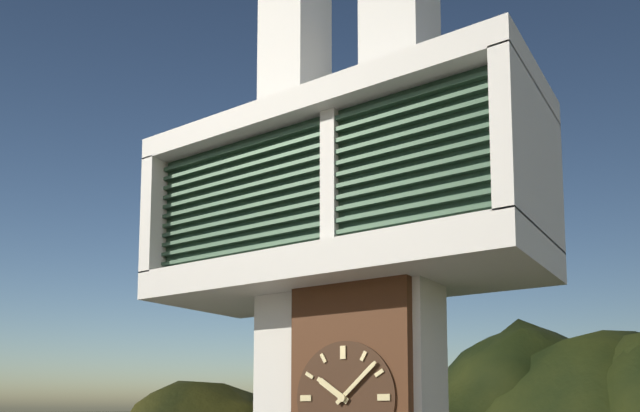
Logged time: 10:08
